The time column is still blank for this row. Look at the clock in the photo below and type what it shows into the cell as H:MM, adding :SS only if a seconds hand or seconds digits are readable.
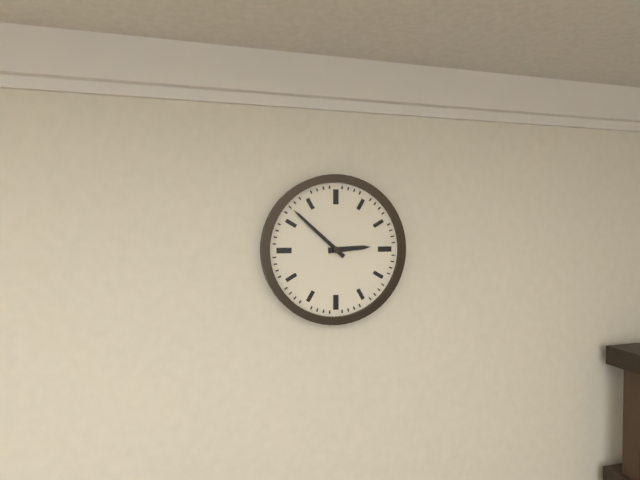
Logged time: 2:52
